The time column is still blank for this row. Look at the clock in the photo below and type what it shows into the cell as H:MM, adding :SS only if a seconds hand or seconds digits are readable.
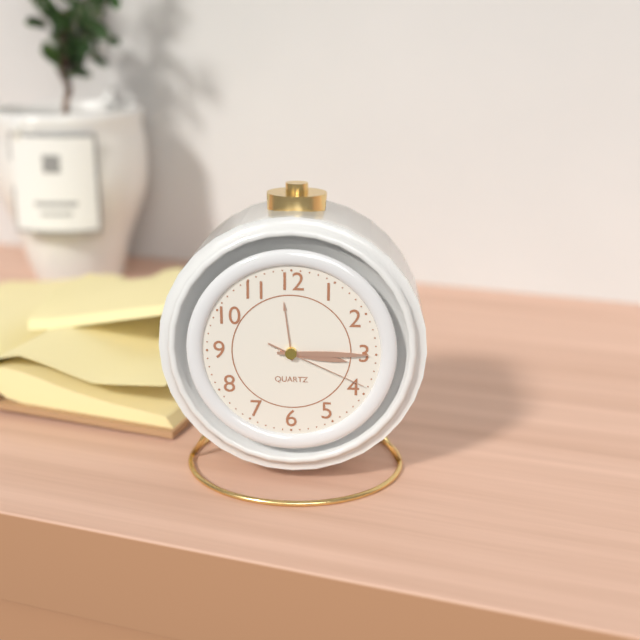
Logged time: 3:15:19
